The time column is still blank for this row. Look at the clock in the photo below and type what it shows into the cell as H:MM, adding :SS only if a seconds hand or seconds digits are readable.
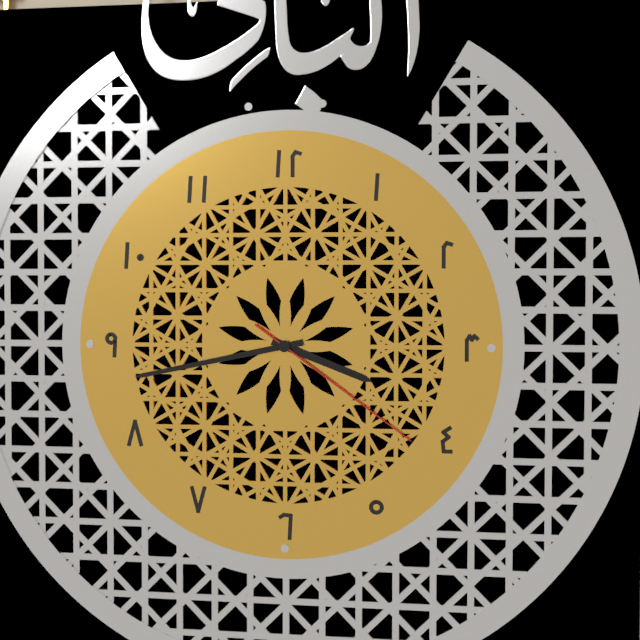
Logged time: 3:43:21
